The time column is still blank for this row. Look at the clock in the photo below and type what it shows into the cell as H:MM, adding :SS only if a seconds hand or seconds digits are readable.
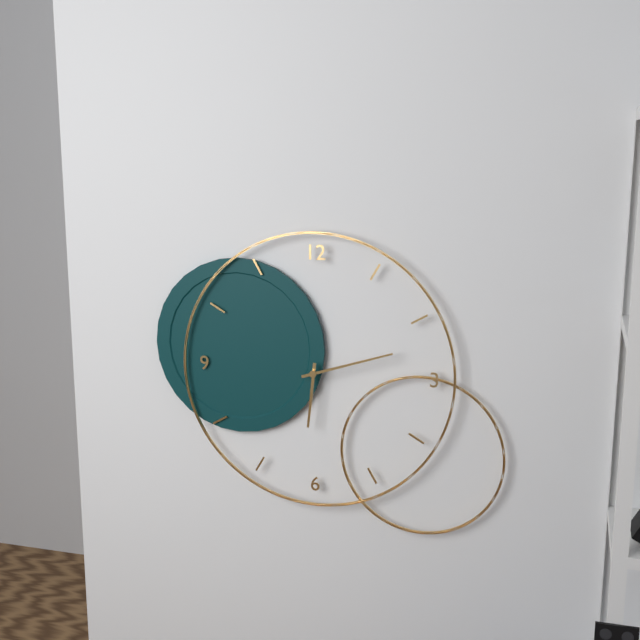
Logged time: 6:12
